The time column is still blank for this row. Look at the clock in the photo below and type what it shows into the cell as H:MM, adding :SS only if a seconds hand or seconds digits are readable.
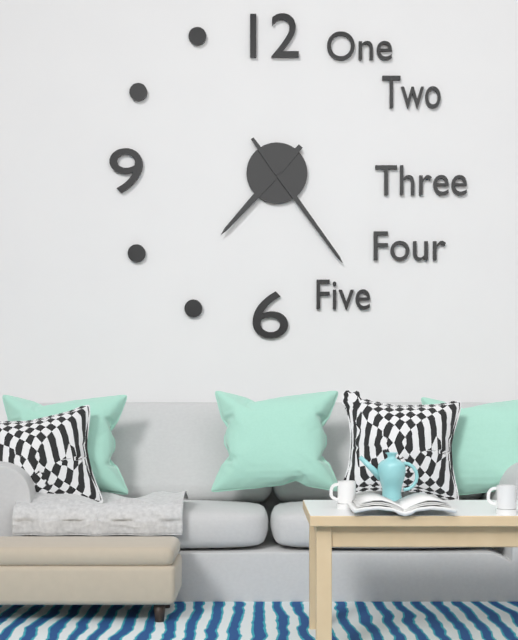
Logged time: 7:24
